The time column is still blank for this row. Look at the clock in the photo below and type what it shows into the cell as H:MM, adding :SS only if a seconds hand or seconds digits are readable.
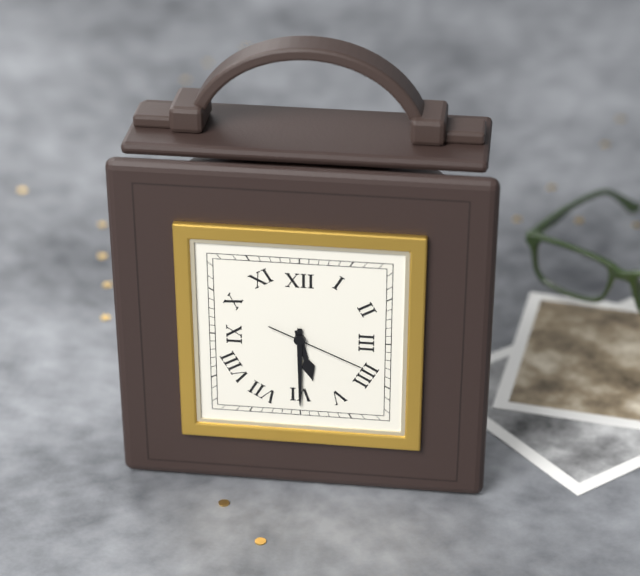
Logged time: 5:30:19
